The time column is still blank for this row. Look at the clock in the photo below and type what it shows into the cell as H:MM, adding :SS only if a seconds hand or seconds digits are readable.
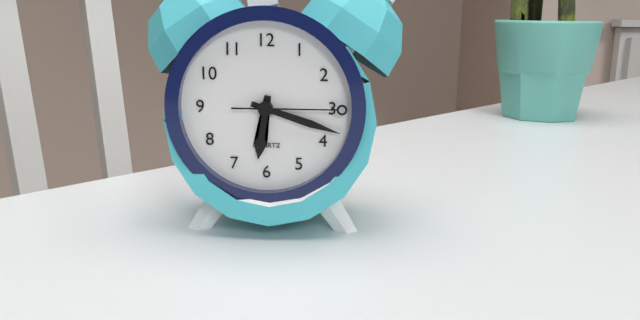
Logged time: 6:18:15
